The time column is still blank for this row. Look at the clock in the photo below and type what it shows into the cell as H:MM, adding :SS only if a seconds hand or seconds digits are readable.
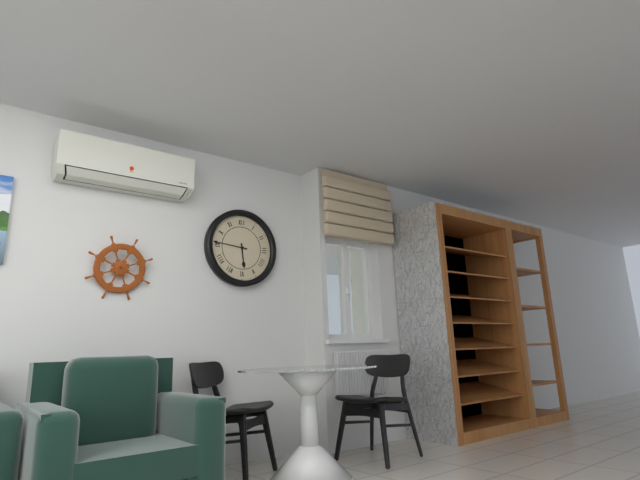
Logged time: 5:46
